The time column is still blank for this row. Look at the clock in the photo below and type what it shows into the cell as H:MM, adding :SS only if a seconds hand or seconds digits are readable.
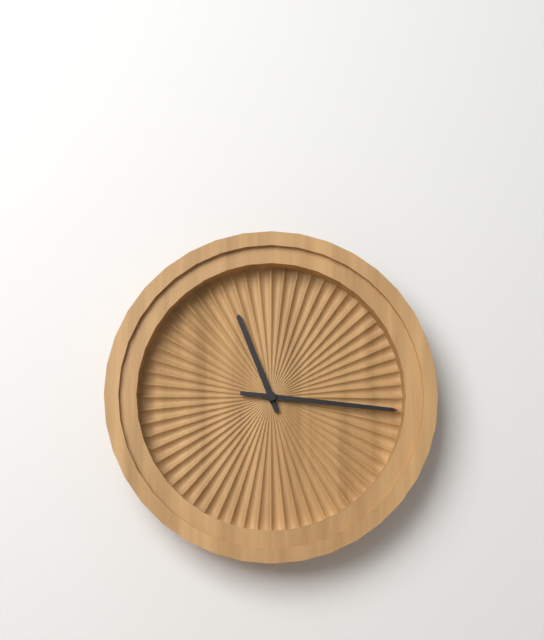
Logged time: 11:16
